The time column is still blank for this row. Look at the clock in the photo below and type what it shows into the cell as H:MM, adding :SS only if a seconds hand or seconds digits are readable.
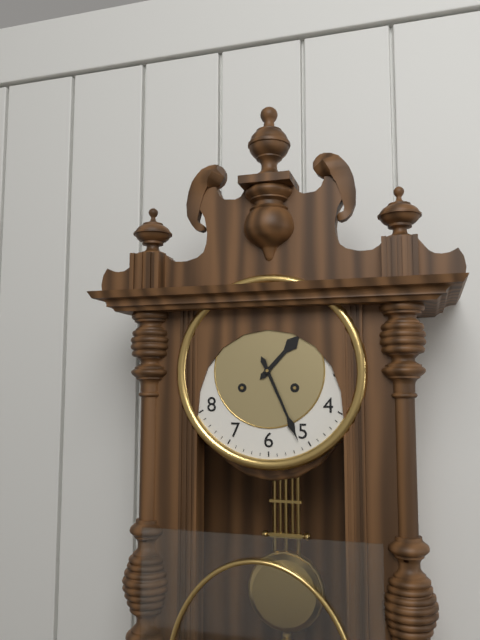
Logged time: 1:26
